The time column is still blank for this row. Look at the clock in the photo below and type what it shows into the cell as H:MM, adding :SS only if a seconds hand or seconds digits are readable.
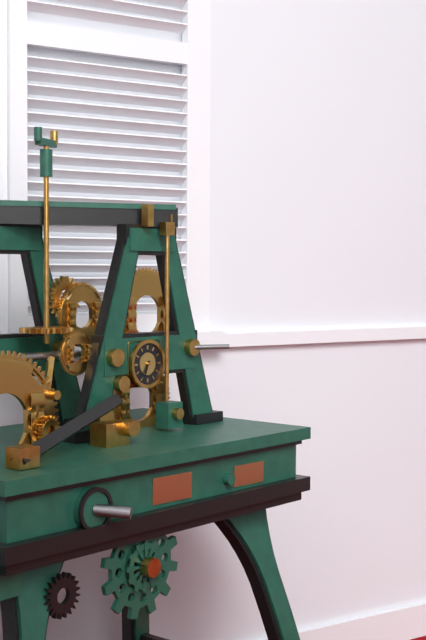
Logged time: 6:36
